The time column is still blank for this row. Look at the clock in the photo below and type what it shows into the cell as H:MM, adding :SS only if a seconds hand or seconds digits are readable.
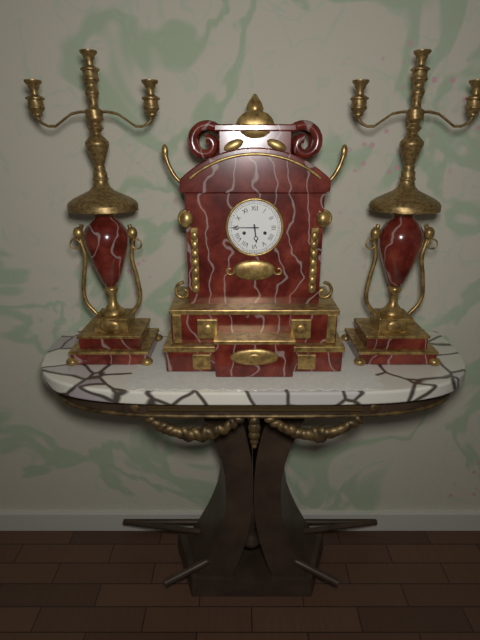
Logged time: 5:45
